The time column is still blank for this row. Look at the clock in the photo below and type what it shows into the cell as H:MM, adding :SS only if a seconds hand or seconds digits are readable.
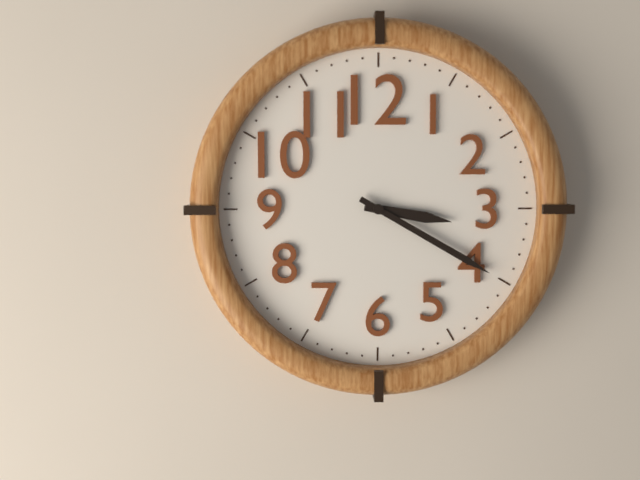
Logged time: 3:20
